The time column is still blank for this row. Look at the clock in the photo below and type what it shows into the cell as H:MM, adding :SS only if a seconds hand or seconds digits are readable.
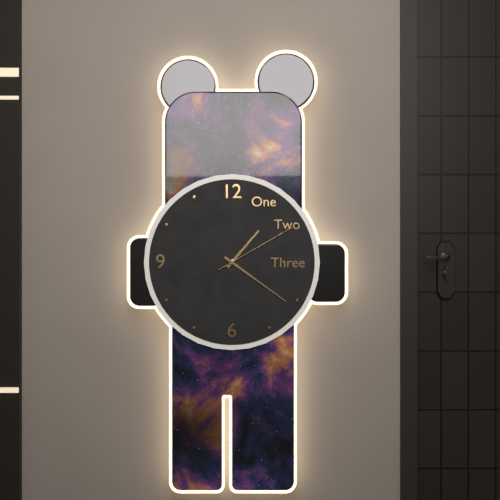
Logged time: 1:21:10
